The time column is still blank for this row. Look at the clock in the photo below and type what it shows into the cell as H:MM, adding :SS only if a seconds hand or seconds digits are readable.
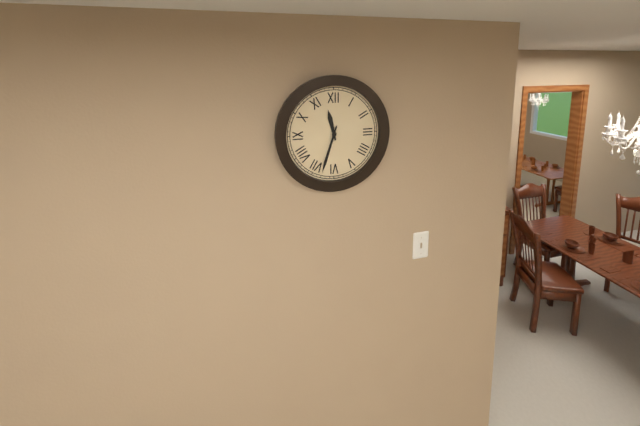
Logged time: 11:33
